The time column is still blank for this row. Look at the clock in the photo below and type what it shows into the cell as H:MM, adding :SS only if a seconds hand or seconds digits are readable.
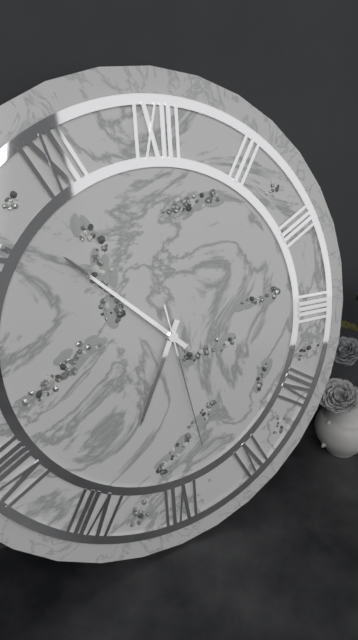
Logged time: 6:52:28
